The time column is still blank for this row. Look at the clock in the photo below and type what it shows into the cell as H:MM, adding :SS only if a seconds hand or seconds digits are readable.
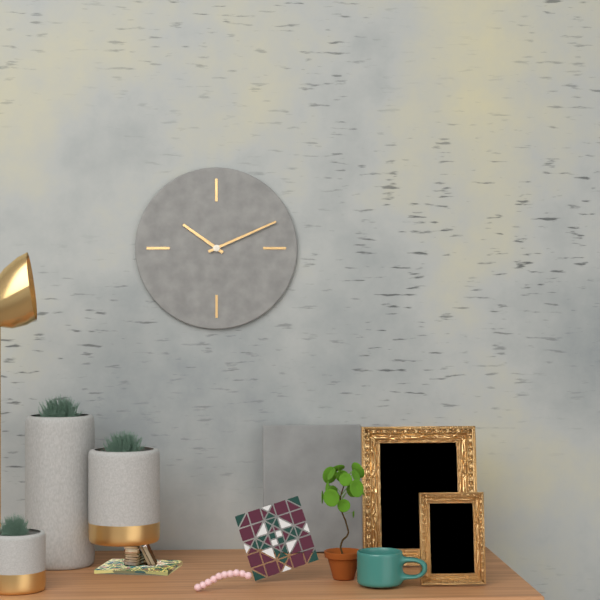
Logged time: 10:11
